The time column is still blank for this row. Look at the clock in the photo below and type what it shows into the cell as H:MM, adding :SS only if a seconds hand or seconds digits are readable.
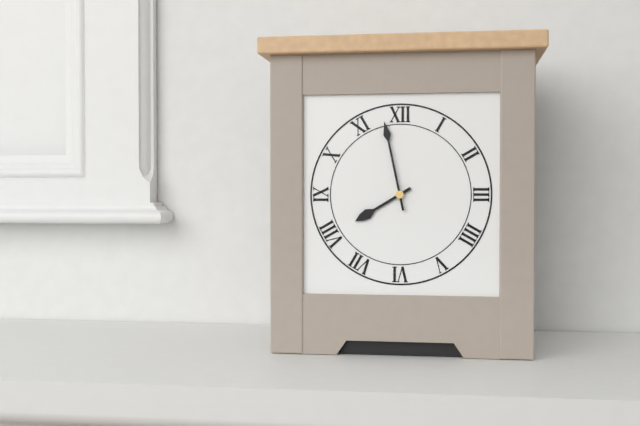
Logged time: 7:58
